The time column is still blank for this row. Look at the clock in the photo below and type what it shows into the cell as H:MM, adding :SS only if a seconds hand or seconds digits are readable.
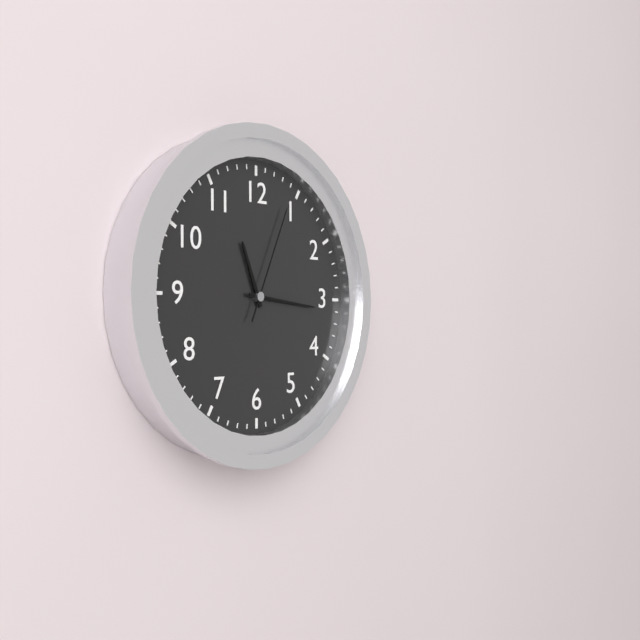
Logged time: 11:16:04
